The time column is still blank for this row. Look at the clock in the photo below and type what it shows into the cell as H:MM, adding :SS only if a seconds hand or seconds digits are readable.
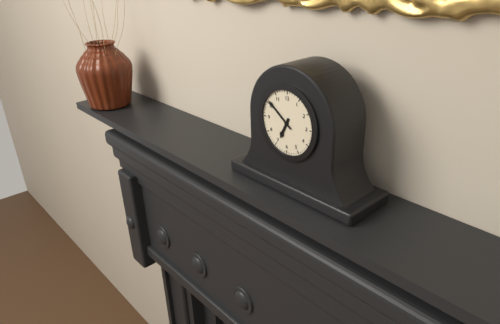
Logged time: 6:51
